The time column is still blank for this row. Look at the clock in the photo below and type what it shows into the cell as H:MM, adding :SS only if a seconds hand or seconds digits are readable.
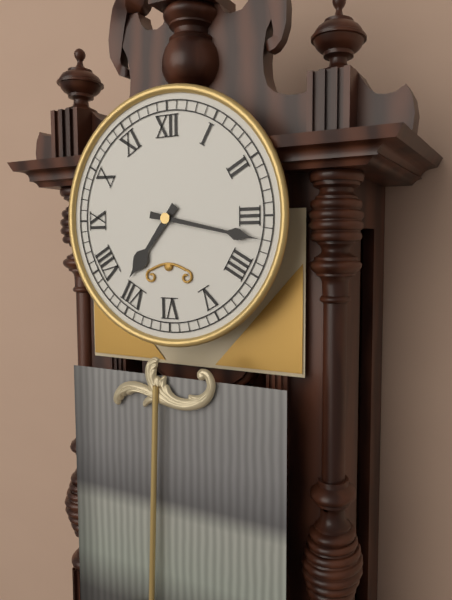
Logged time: 7:17
